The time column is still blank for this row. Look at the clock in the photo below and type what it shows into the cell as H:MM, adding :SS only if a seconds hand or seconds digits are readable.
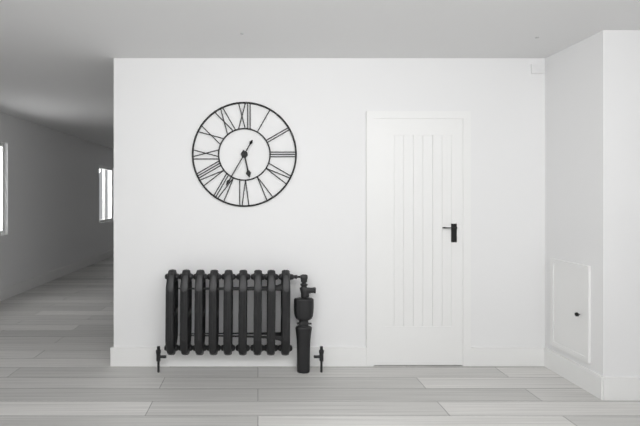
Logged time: 5:35
